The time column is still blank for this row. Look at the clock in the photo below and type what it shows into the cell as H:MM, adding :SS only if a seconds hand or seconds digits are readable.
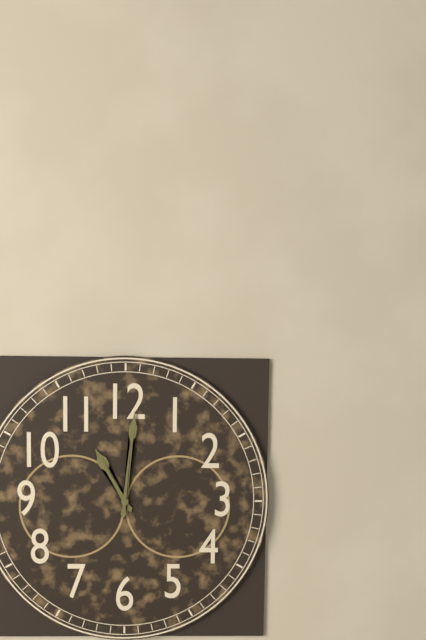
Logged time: 11:01
